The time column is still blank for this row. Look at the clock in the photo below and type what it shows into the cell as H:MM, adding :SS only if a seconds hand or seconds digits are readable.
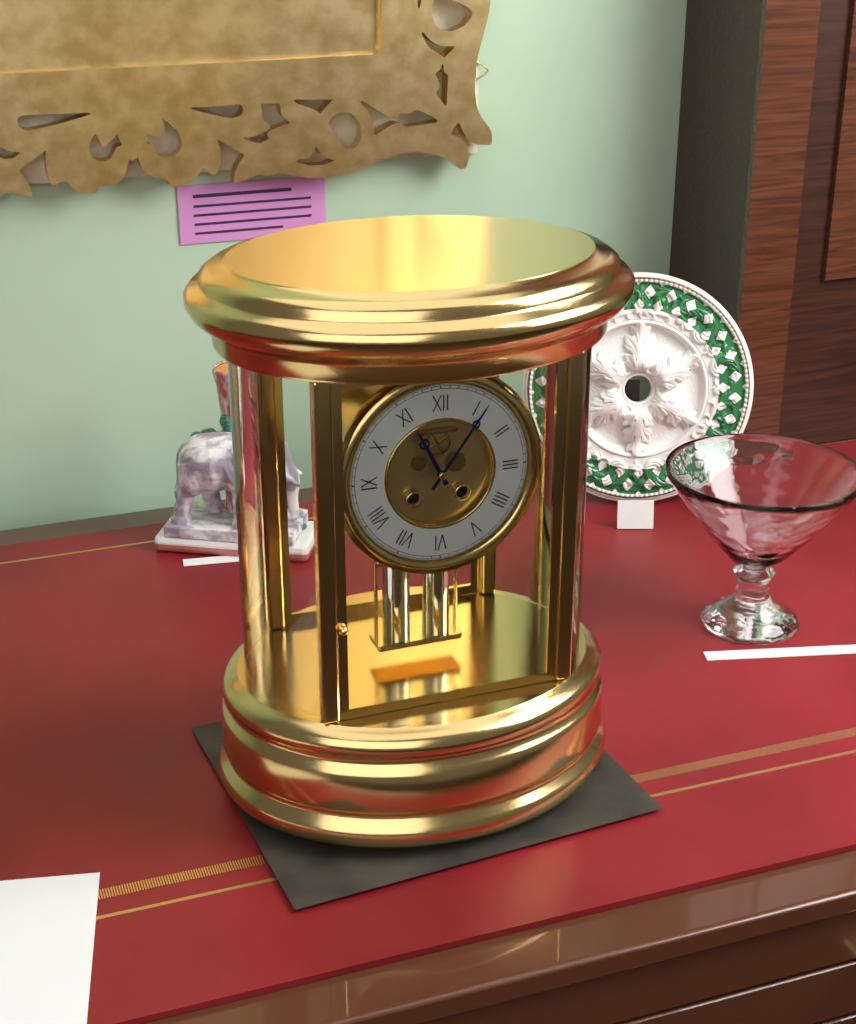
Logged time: 11:06
